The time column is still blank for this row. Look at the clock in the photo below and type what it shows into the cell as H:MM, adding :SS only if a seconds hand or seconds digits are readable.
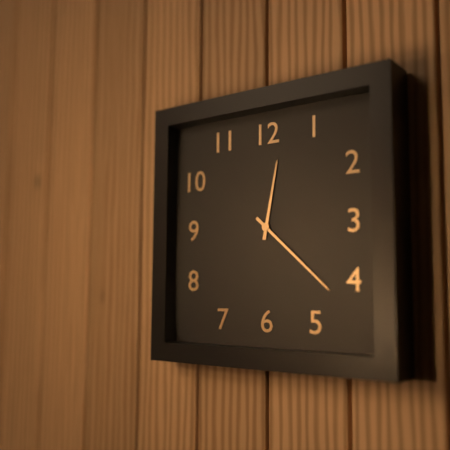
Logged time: 12:22
